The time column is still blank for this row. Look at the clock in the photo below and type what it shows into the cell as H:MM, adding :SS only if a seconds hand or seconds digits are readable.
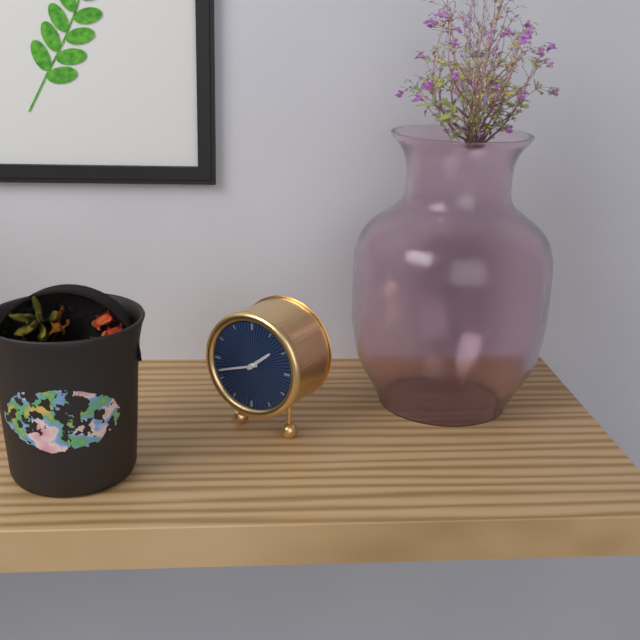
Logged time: 1:42
